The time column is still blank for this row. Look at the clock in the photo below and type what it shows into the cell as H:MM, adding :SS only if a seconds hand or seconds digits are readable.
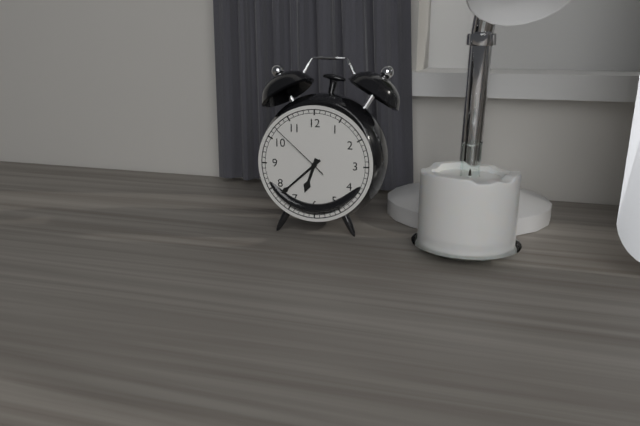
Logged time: 6:38:52
